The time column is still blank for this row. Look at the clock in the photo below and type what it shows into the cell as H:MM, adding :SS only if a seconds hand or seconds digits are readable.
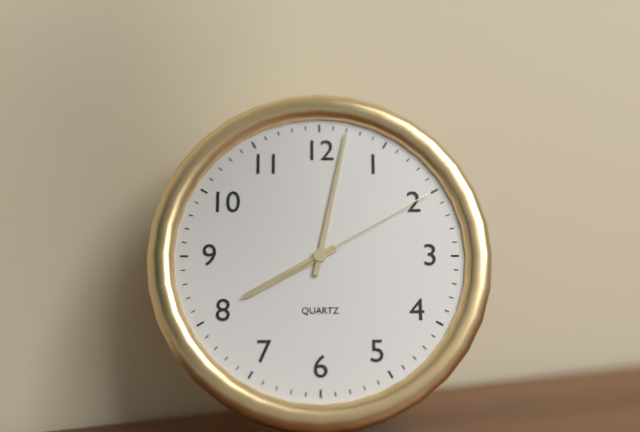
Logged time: 8:02:10
